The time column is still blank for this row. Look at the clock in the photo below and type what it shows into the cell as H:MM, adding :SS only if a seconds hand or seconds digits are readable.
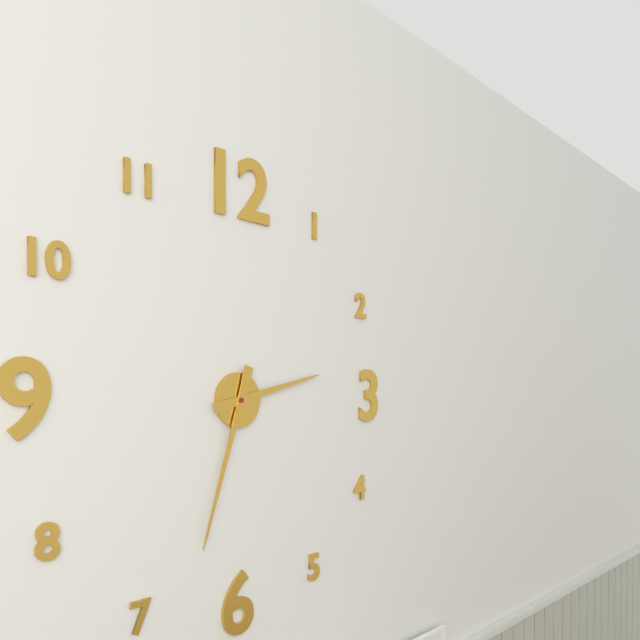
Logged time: 2:33
